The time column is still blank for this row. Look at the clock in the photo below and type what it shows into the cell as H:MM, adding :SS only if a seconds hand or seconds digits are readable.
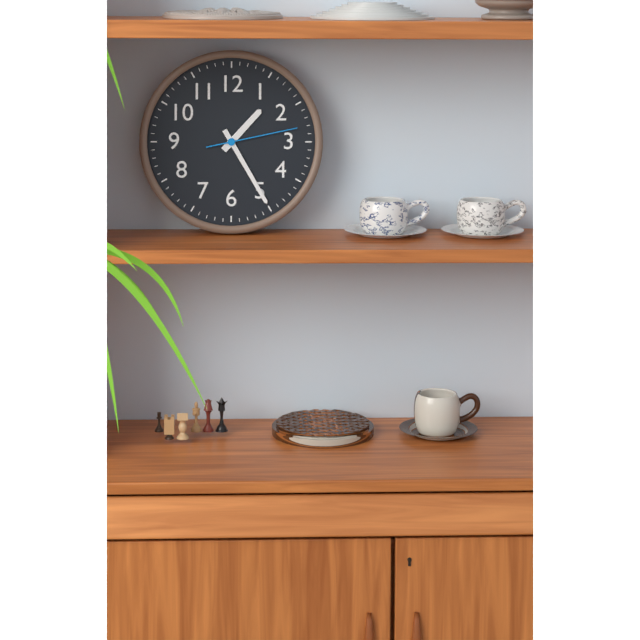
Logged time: 1:25:13
